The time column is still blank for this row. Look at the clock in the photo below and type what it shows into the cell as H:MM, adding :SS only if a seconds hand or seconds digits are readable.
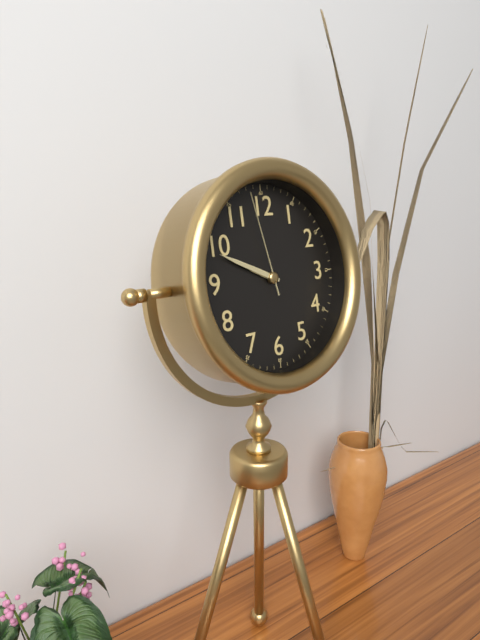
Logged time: 9:49:58
